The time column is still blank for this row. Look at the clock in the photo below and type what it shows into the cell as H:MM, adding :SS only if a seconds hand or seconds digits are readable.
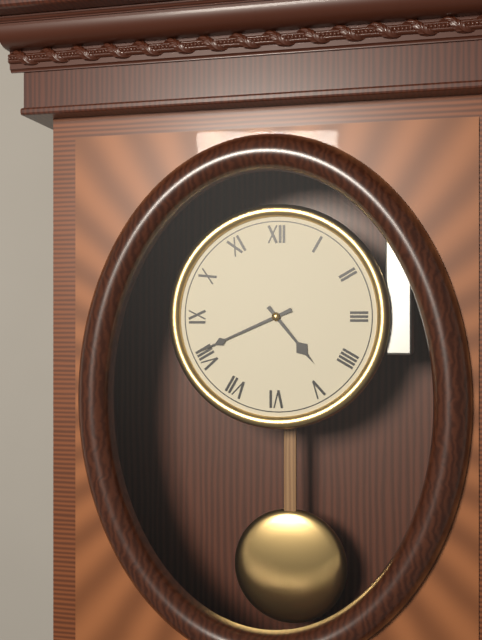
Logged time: 4:41
